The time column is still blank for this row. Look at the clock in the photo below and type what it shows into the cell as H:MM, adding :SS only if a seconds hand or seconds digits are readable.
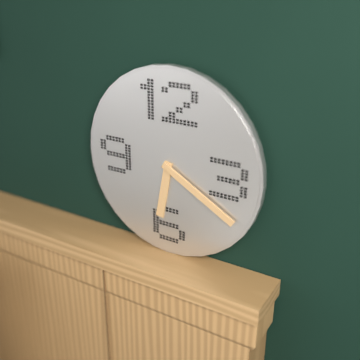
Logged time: 6:20
